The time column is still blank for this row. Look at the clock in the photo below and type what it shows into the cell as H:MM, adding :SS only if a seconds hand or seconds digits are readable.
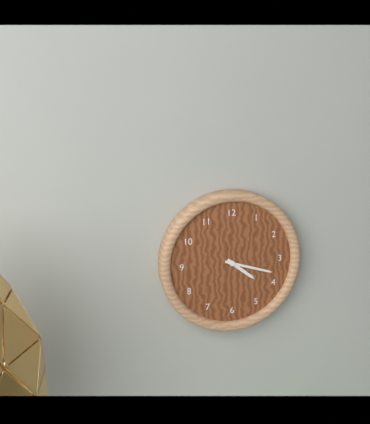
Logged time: 4:18
